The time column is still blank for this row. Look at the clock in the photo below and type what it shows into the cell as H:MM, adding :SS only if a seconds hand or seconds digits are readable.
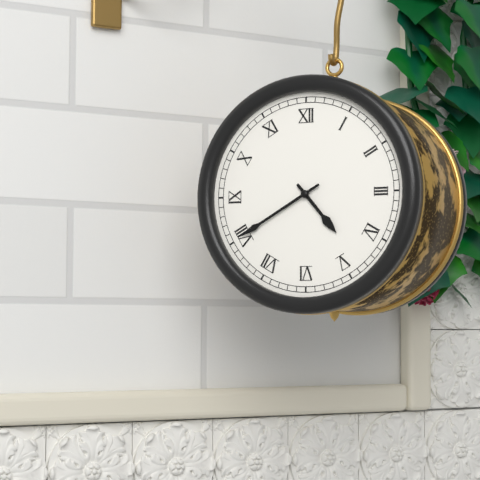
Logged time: 4:40
